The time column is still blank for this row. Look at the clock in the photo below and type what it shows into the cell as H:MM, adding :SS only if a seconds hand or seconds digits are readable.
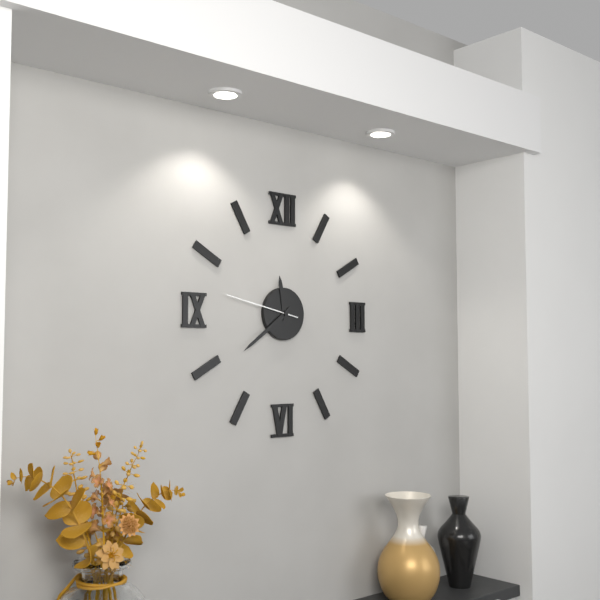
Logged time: 11:39:47
